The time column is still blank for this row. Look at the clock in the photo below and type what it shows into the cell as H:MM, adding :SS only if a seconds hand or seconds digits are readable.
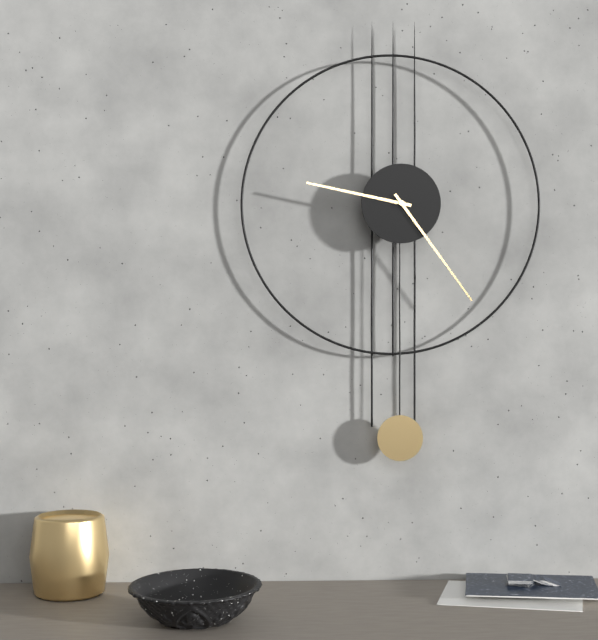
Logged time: 9:24
